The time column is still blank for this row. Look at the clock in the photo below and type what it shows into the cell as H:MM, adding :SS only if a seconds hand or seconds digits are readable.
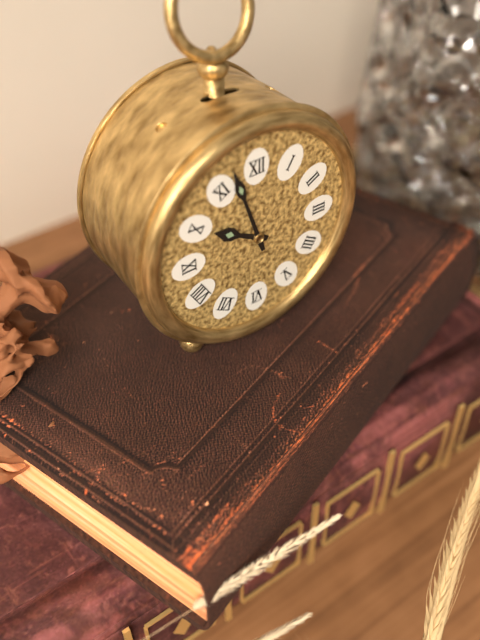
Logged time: 9:57
